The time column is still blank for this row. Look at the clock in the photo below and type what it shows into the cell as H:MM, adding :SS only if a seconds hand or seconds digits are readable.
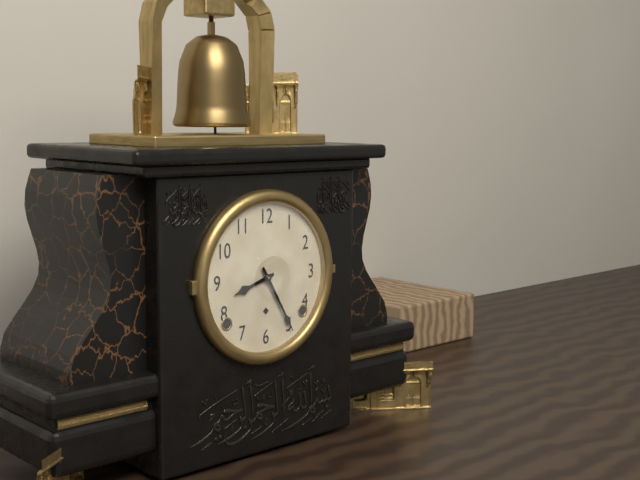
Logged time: 8:25
